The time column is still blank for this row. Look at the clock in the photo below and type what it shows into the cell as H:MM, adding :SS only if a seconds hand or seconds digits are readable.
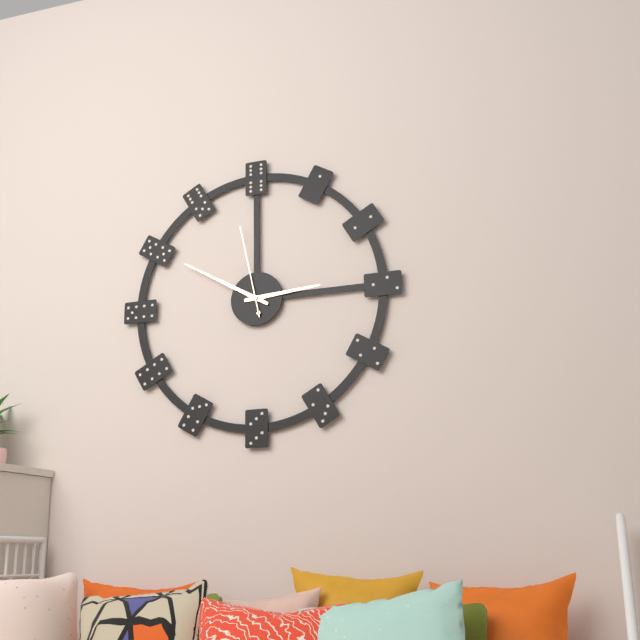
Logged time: 2:50:58
